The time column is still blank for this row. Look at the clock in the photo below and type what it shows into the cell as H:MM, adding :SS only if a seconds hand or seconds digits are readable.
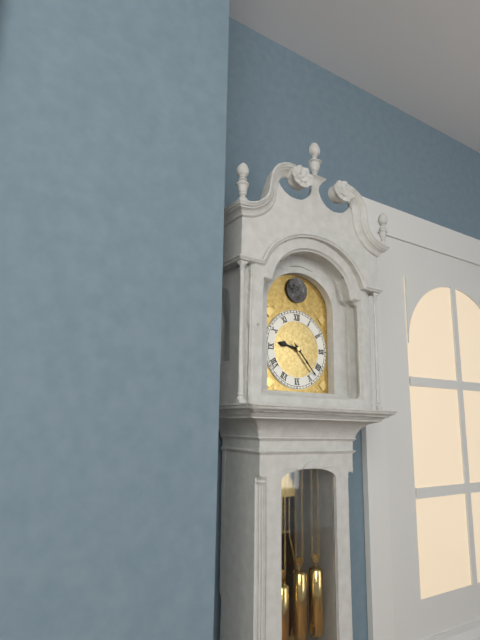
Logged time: 9:23
